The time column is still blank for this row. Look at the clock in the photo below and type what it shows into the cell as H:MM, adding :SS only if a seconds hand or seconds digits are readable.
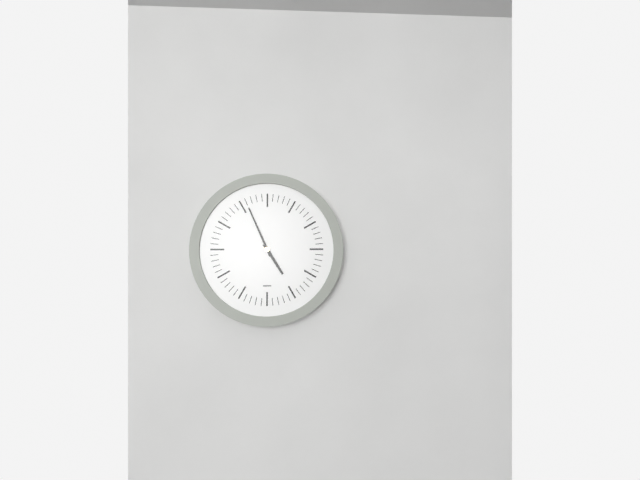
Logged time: 4:56
